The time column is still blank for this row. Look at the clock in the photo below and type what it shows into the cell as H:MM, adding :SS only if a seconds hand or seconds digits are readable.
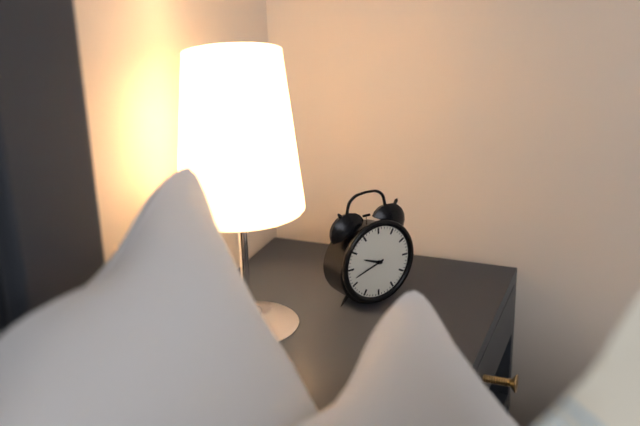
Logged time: 9:42
